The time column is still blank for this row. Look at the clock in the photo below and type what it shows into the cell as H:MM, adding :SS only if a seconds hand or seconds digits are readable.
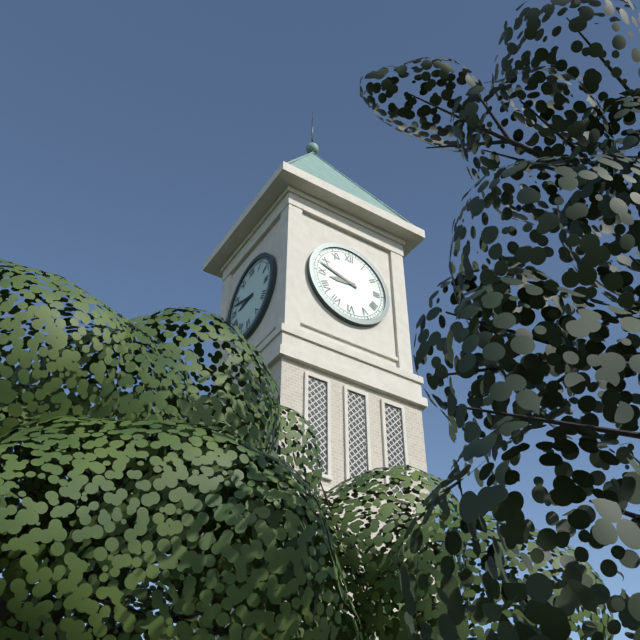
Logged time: 8:48
